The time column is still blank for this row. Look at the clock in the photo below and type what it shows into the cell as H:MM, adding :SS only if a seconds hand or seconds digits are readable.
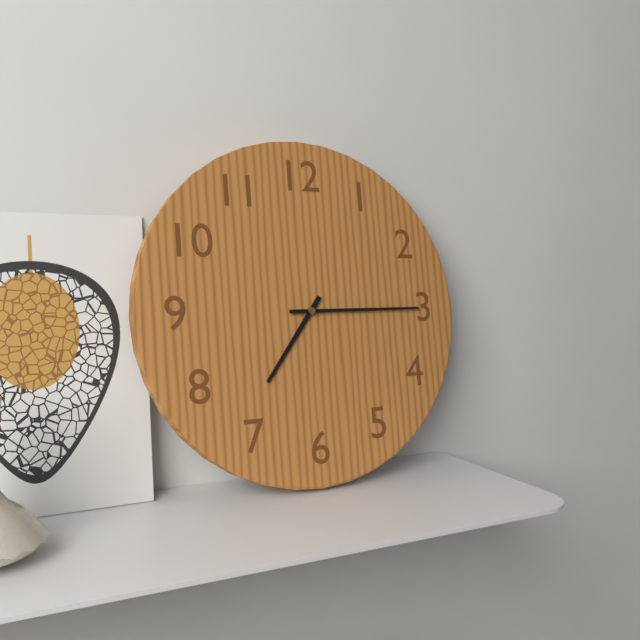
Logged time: 7:15
